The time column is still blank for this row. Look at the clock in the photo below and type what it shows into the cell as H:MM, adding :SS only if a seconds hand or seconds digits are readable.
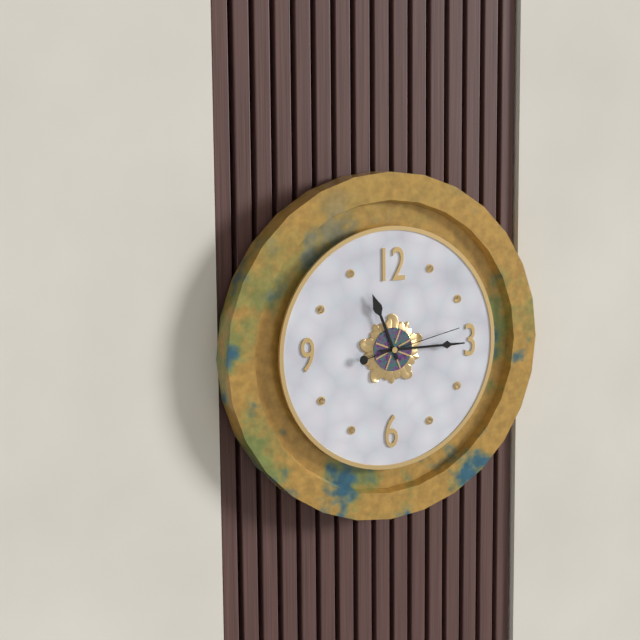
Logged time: 11:15:13
